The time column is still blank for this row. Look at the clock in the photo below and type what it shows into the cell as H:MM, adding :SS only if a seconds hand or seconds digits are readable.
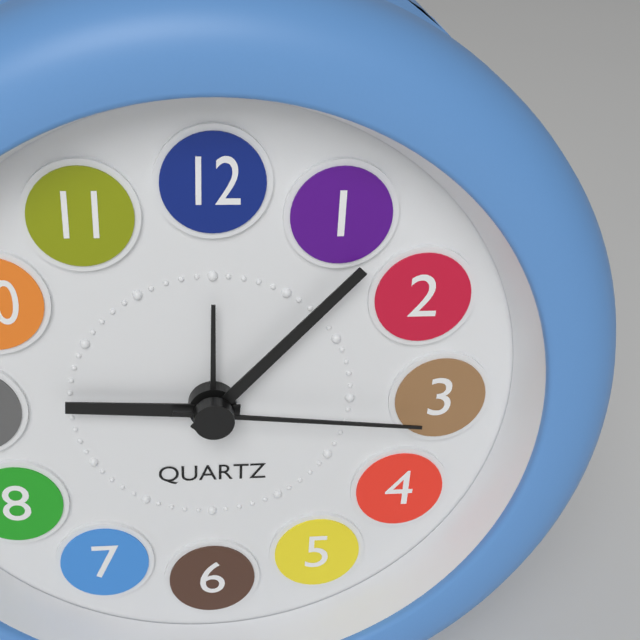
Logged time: 9:07:16
